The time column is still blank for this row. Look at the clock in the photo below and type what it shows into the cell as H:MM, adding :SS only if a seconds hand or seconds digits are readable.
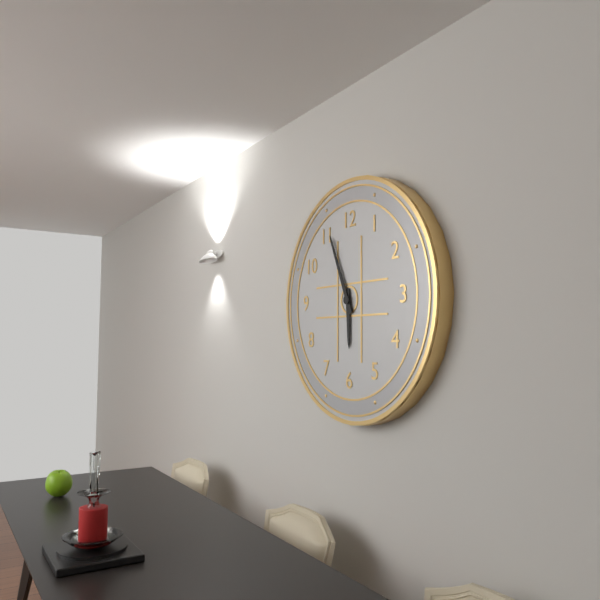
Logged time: 5:56
